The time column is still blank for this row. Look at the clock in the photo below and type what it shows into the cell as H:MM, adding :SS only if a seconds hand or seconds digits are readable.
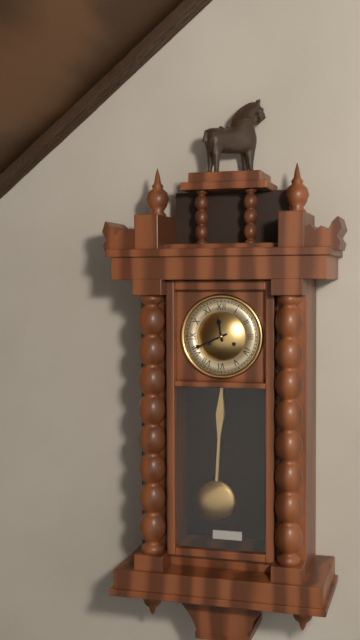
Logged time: 11:41
